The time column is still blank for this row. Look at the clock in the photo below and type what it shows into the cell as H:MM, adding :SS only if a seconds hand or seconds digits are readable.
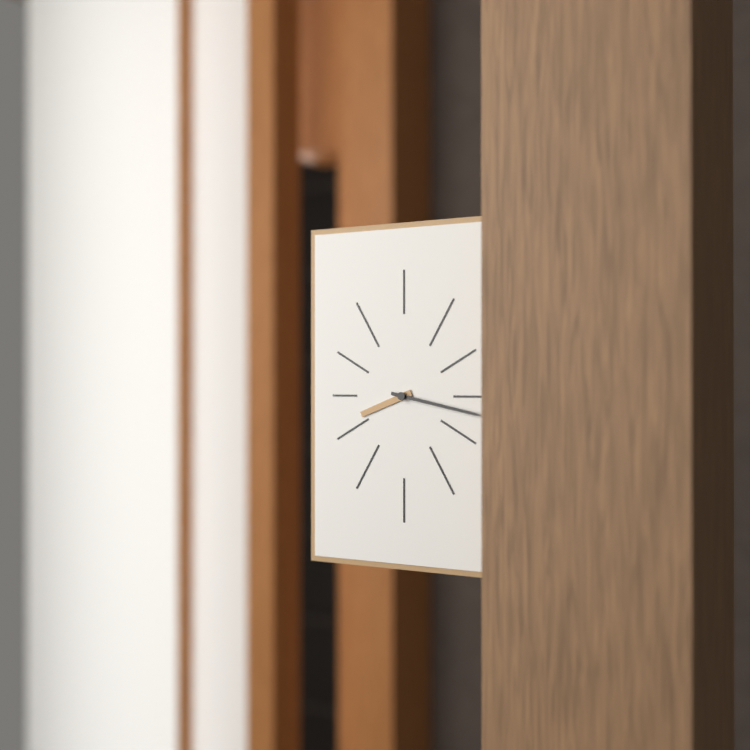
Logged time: 8:17
